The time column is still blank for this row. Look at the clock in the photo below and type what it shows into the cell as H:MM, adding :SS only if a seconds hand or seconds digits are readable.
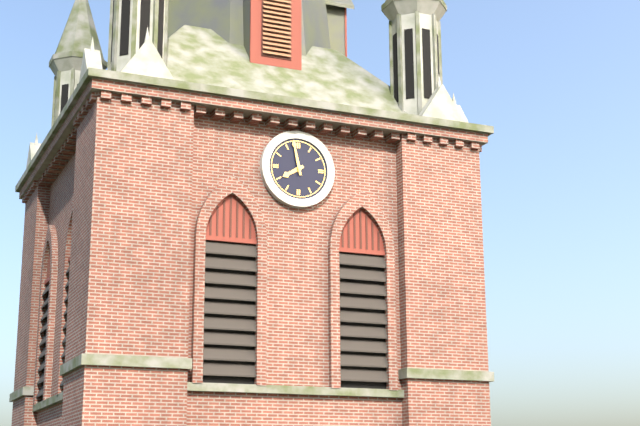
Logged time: 7:58
